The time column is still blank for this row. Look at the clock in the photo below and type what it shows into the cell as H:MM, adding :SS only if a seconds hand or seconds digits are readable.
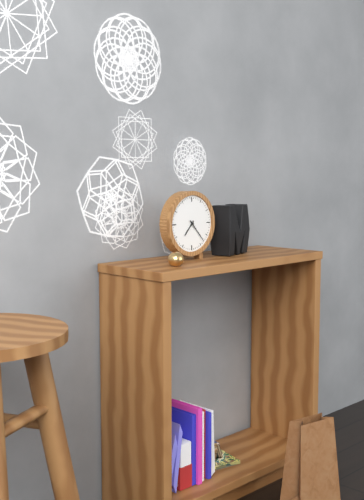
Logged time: 7:23
